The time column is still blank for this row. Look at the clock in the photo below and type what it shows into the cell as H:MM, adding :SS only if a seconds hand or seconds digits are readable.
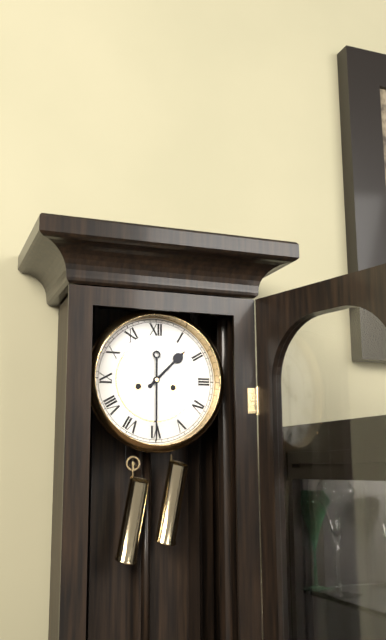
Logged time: 1:30
